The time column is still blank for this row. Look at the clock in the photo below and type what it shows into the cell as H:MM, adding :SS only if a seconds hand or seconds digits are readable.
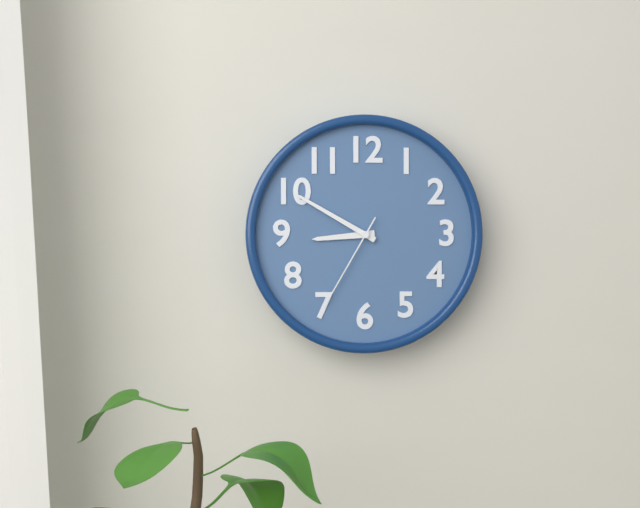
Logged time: 8:50:35
